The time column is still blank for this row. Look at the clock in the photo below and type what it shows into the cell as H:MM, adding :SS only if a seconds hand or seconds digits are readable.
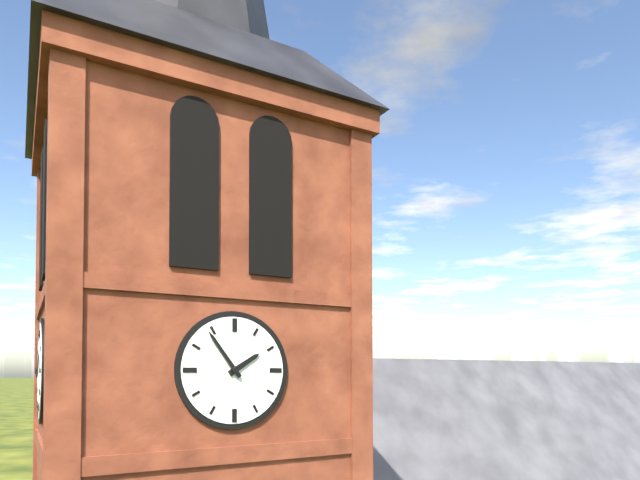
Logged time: 1:54
